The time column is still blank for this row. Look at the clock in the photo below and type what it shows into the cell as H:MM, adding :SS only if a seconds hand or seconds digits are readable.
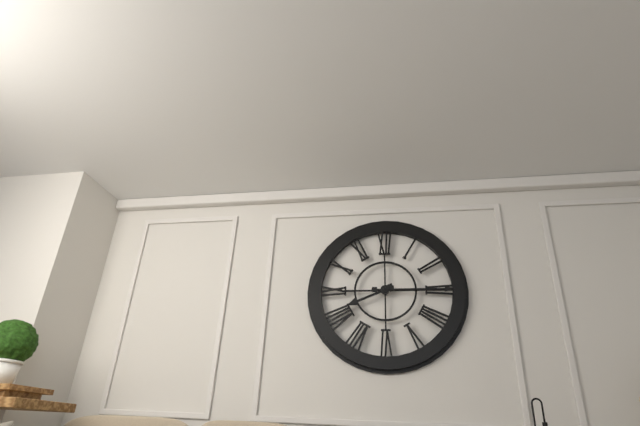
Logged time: 8:15
